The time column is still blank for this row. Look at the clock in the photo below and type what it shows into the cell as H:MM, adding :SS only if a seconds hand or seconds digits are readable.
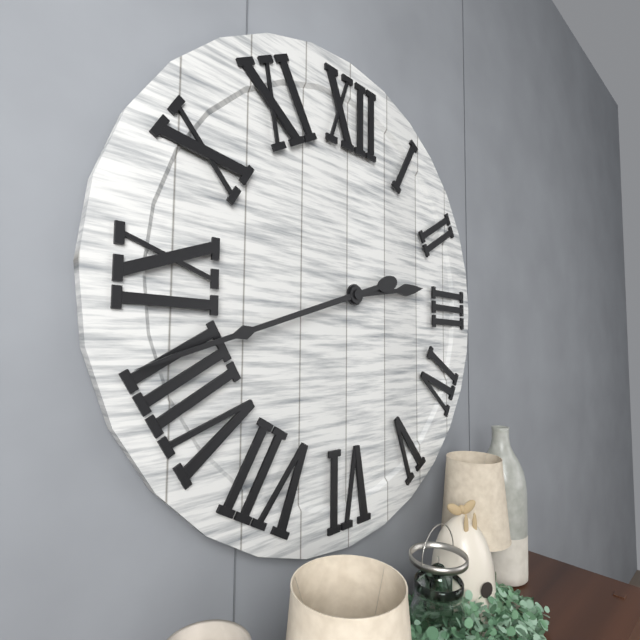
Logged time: 2:42
